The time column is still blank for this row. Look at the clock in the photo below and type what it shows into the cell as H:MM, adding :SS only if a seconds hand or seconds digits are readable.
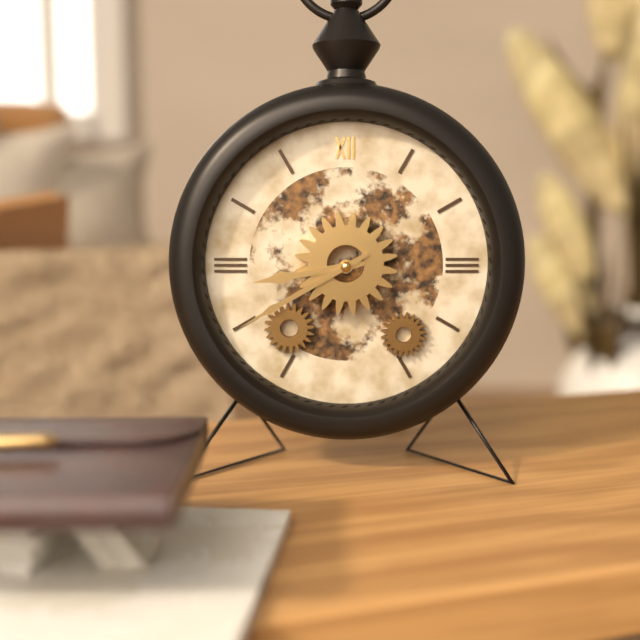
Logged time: 8:40
